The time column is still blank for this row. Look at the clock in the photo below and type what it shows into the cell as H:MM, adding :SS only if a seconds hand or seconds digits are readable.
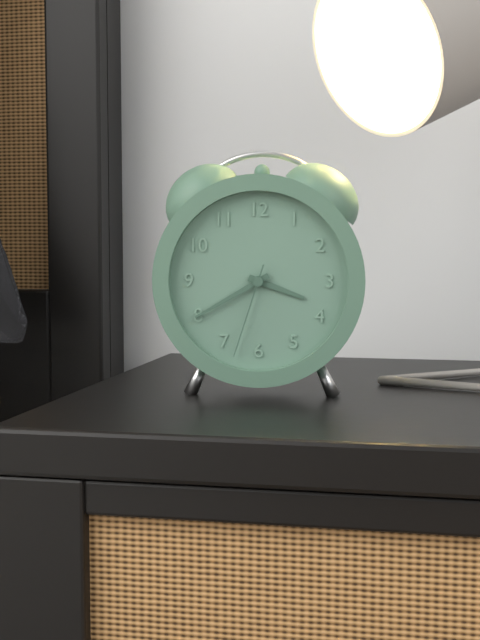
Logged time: 3:40:33
